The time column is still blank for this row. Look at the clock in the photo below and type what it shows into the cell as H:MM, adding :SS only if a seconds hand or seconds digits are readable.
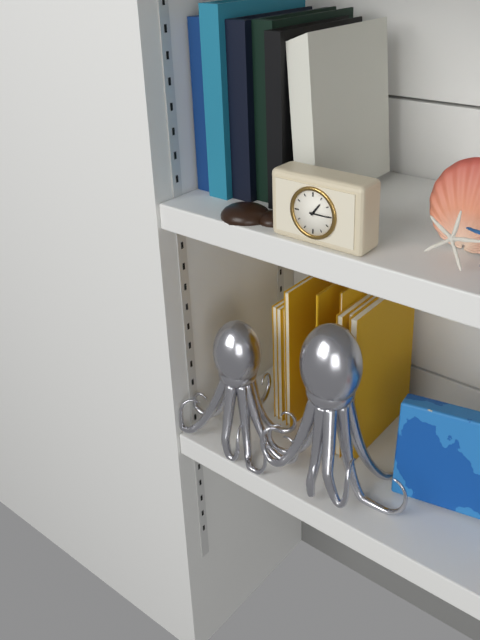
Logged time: 1:15
